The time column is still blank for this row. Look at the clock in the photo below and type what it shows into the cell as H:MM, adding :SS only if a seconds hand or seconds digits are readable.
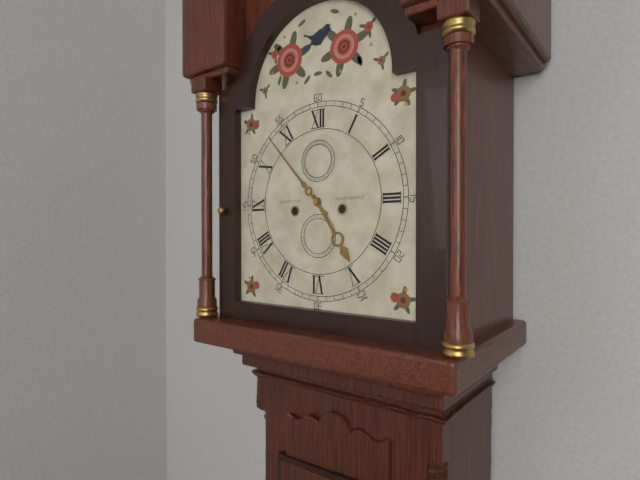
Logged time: 4:53
